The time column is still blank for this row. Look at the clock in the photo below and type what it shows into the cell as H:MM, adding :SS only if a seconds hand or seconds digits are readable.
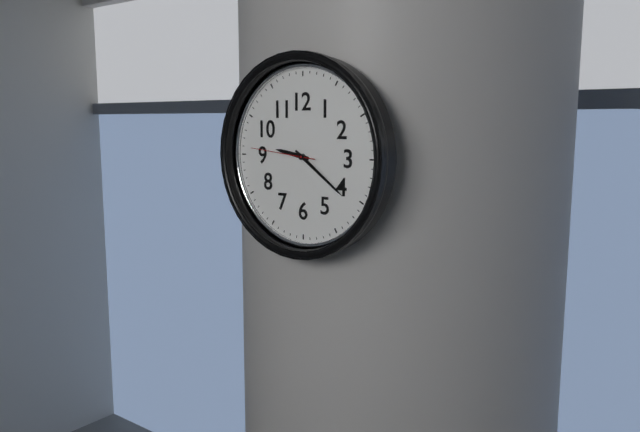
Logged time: 9:21:46
